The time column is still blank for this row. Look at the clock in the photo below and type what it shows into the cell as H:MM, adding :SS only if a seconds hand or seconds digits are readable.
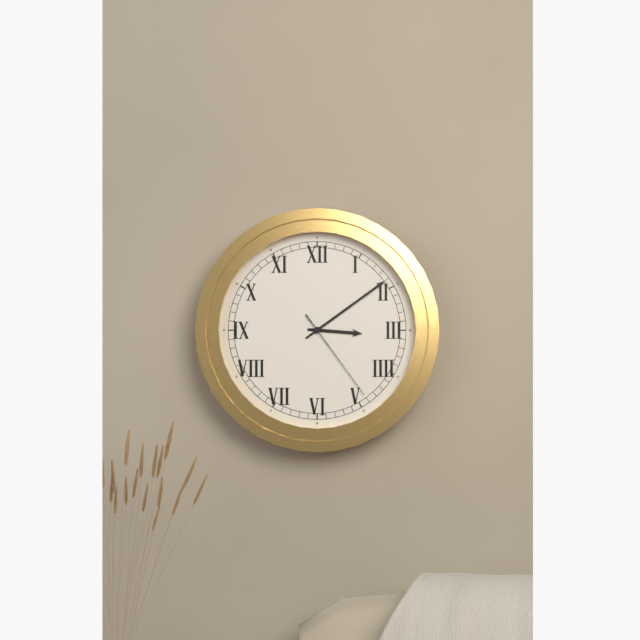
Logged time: 3:09:24
